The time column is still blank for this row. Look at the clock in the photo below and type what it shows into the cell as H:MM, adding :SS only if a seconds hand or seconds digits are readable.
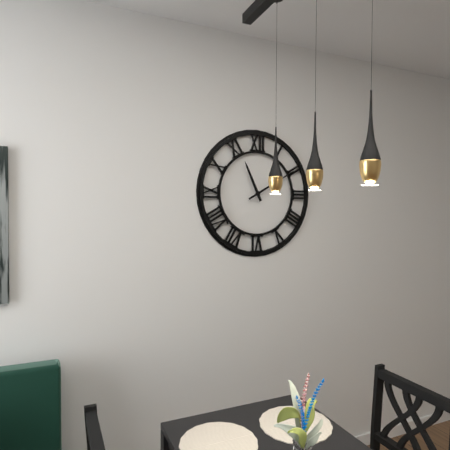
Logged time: 11:10
